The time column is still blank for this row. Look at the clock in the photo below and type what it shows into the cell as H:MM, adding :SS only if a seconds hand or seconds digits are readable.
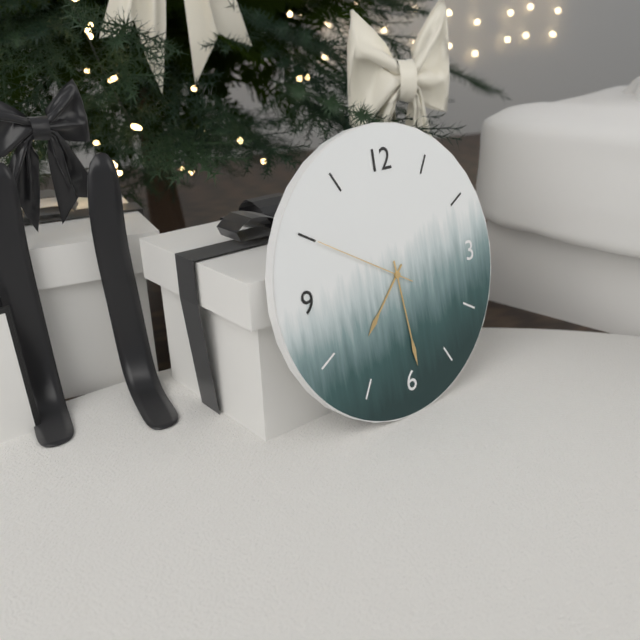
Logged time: 7:29:50
